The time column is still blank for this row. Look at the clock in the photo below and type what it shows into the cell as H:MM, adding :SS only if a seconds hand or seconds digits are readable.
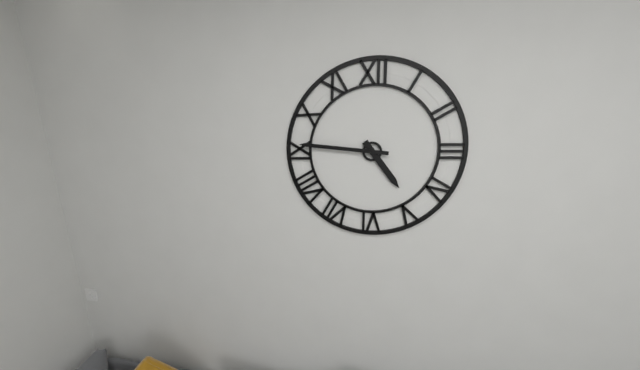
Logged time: 4:46
